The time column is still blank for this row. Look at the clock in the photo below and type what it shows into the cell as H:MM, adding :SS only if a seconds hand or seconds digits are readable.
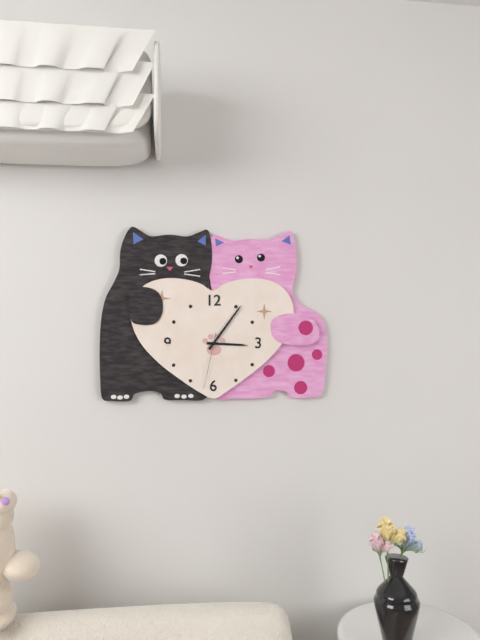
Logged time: 3:06:32
